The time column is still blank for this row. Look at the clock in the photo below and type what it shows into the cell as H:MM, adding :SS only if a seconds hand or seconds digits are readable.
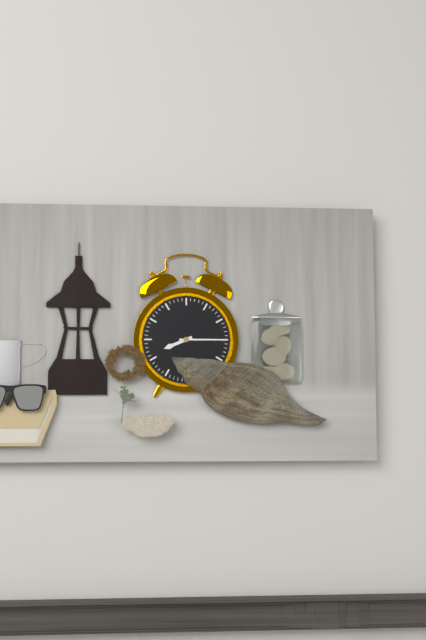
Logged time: 8:15
